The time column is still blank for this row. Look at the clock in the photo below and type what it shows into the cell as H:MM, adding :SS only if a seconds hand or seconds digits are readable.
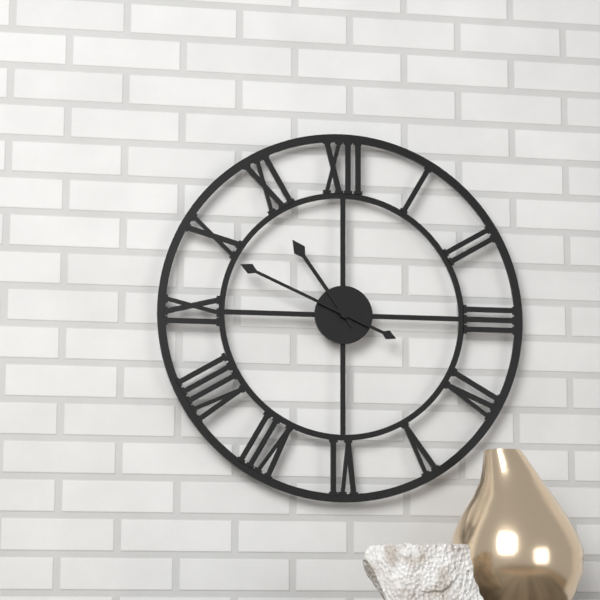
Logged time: 10:49
